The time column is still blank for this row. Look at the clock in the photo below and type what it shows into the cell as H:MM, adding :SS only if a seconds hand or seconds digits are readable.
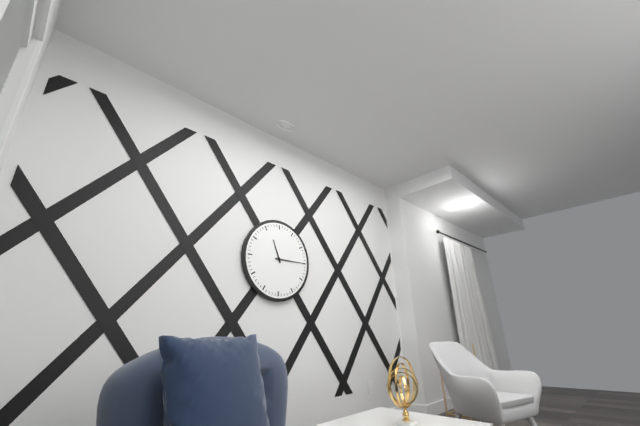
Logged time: 11:15
